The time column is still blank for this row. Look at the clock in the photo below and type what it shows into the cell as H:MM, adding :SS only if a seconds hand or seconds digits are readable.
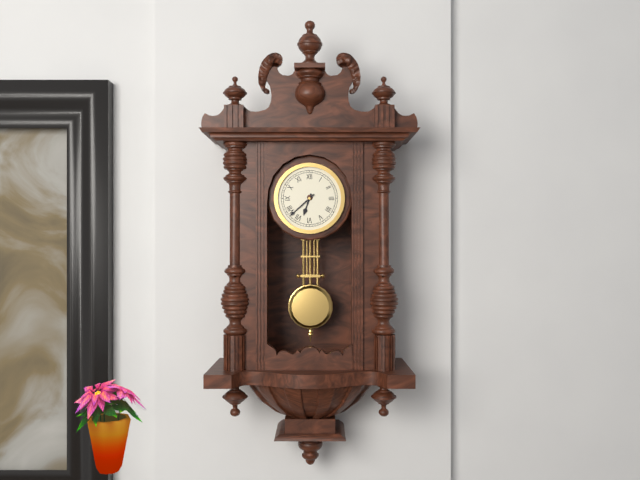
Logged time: 6:38
